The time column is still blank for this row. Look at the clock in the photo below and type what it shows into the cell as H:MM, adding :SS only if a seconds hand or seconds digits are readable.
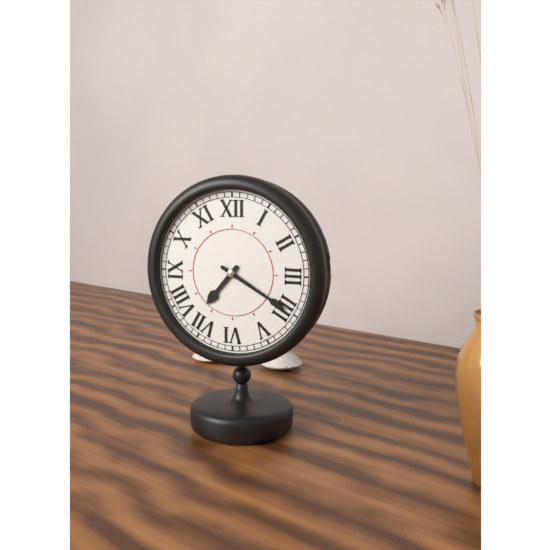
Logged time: 7:20
